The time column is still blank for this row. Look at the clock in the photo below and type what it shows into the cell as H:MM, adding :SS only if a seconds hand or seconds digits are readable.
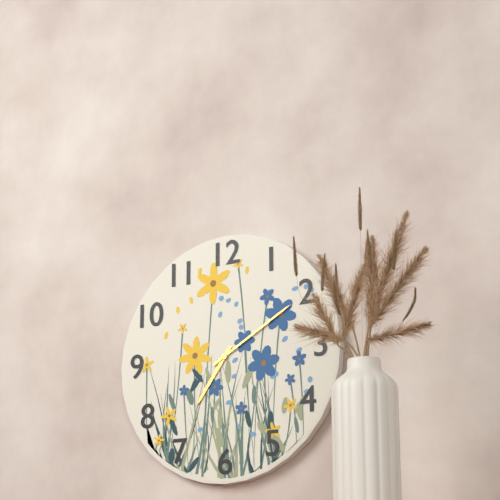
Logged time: 7:10
